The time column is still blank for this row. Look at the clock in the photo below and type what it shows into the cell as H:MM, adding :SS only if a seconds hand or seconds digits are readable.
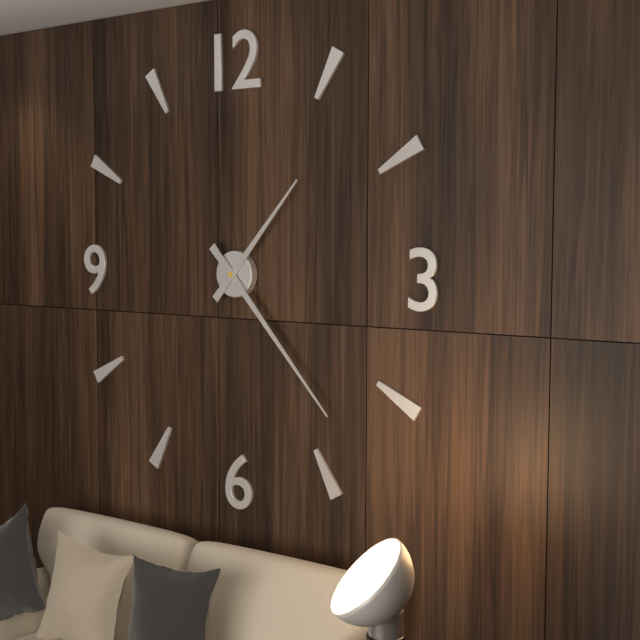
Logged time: 1:23
